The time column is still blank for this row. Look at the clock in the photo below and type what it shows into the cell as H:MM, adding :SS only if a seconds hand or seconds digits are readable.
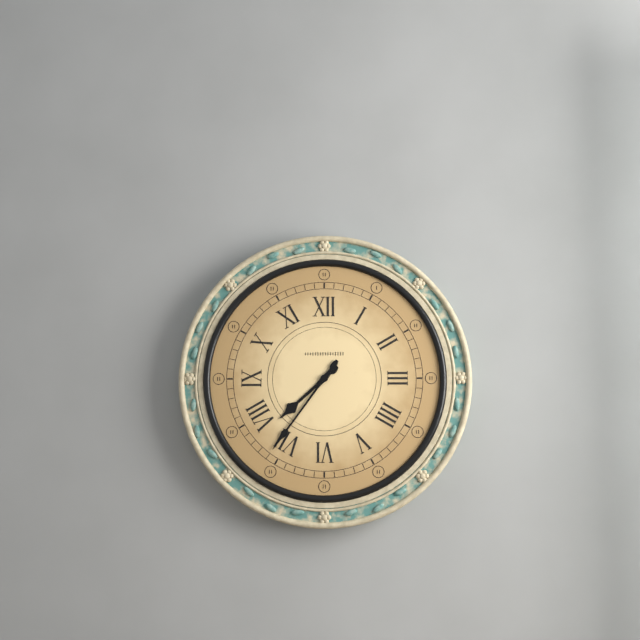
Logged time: 7:36
